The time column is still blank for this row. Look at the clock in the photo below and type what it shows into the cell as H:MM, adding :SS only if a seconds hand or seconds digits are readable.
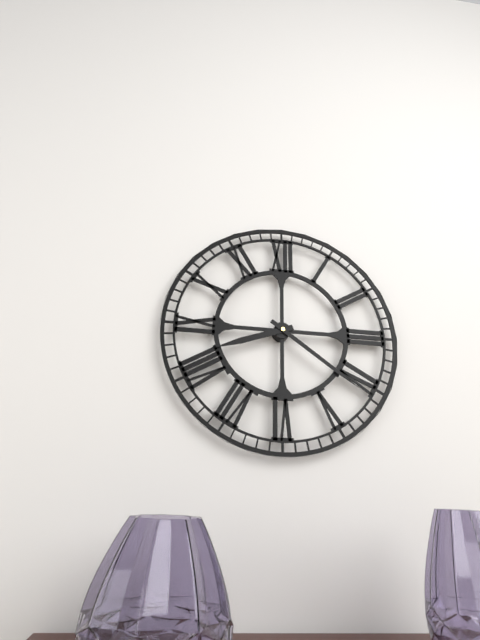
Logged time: 8:21
